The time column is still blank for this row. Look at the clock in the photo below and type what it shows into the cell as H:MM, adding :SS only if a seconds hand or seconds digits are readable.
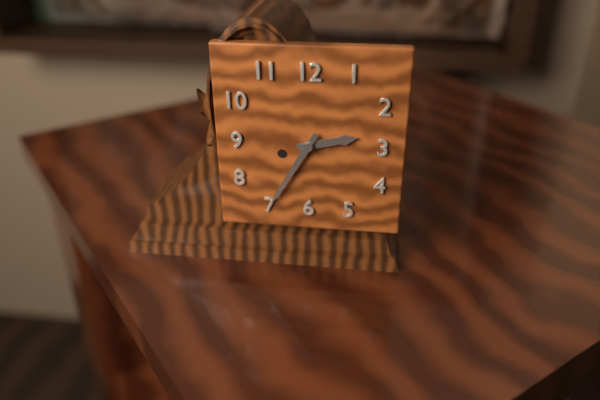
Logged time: 2:35
